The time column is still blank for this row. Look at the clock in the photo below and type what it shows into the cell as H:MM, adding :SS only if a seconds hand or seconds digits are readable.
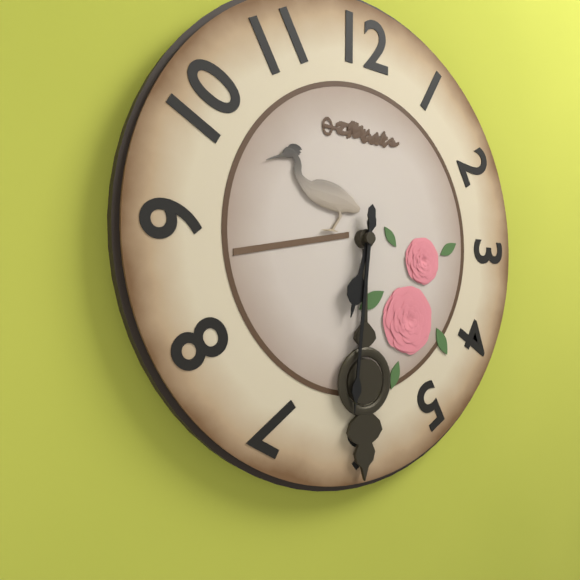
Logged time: 6:31
